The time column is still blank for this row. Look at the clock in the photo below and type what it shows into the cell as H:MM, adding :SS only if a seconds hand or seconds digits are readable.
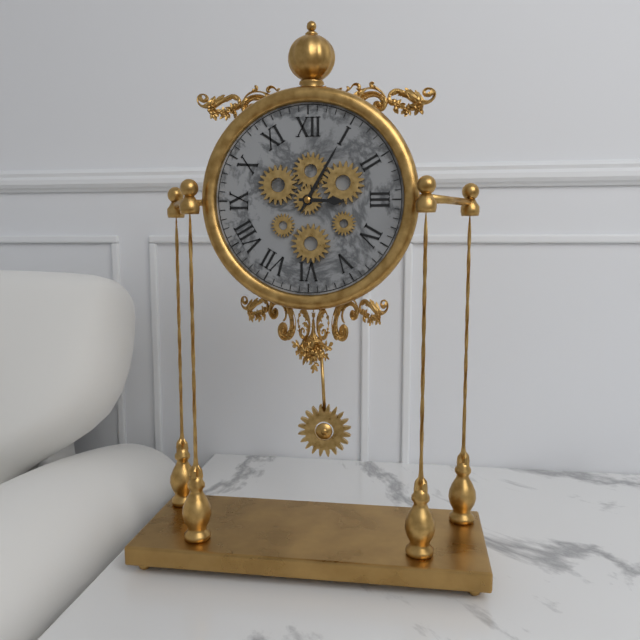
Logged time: 3:05
